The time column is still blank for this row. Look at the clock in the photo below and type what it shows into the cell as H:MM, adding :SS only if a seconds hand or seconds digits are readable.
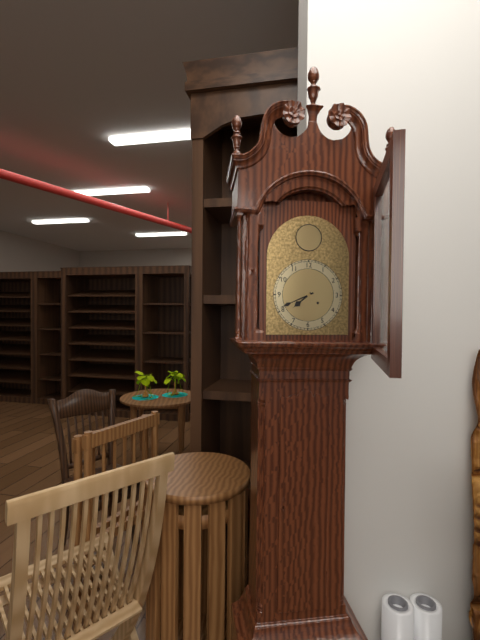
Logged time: 7:41
